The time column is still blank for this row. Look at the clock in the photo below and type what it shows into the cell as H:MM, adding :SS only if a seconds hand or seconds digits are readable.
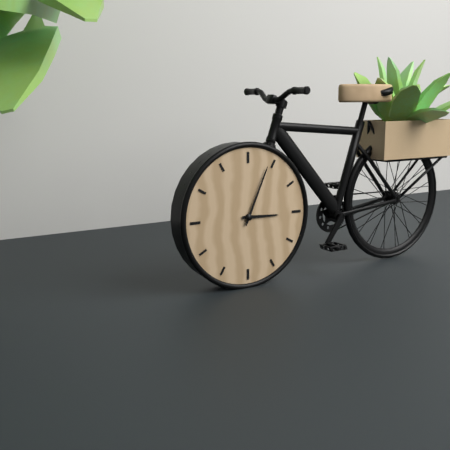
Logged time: 3:04
